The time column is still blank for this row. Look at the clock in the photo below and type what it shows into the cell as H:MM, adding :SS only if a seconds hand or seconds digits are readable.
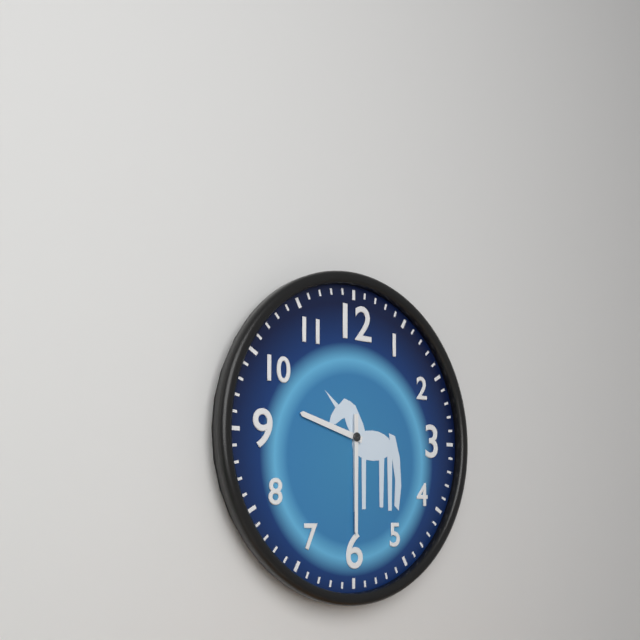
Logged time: 9:30
